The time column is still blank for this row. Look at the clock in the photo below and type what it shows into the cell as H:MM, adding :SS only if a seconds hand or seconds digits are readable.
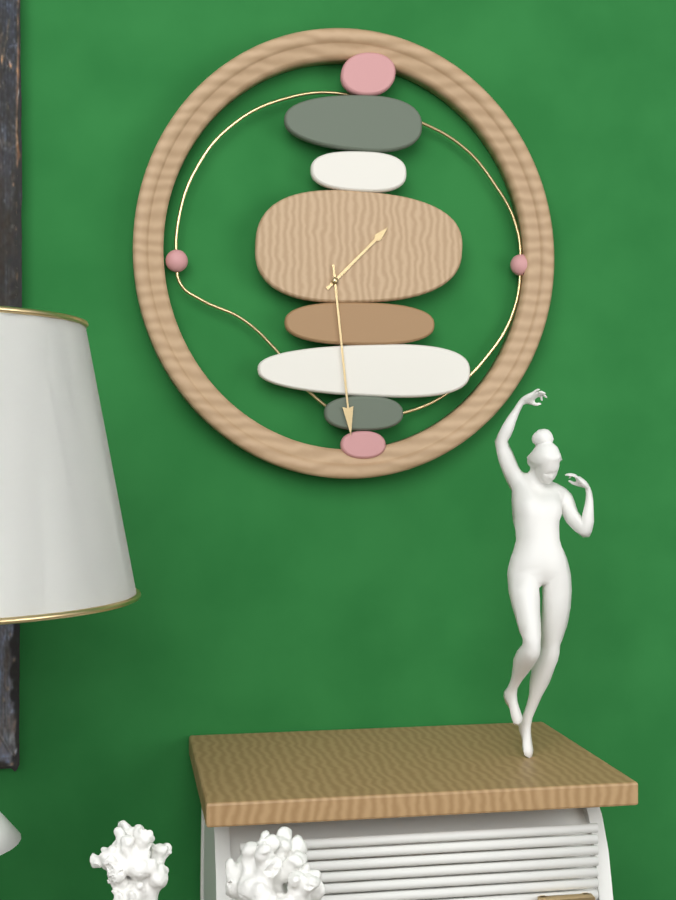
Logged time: 1:29
